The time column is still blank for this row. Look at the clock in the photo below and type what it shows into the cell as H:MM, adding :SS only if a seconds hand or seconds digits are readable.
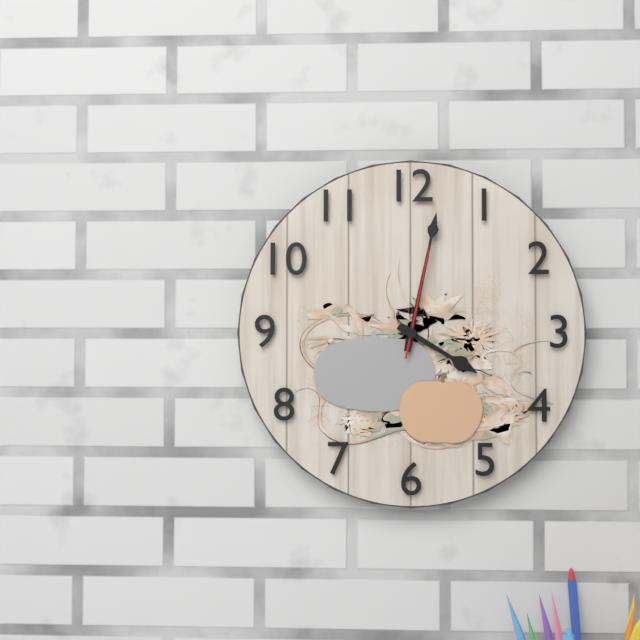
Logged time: 4:02:02
